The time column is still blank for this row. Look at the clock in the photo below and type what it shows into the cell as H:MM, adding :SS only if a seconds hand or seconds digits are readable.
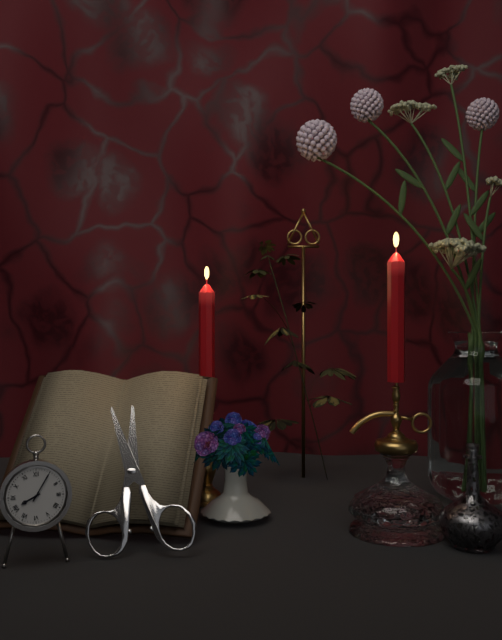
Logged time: 8:05
